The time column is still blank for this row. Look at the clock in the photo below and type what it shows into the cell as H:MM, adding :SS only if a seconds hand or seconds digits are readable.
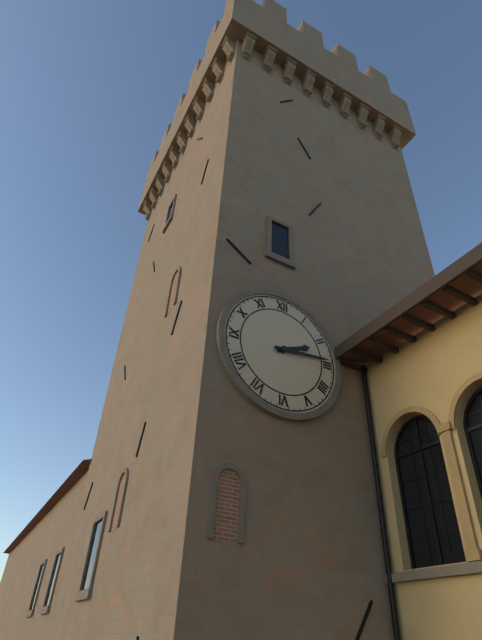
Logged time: 2:14
